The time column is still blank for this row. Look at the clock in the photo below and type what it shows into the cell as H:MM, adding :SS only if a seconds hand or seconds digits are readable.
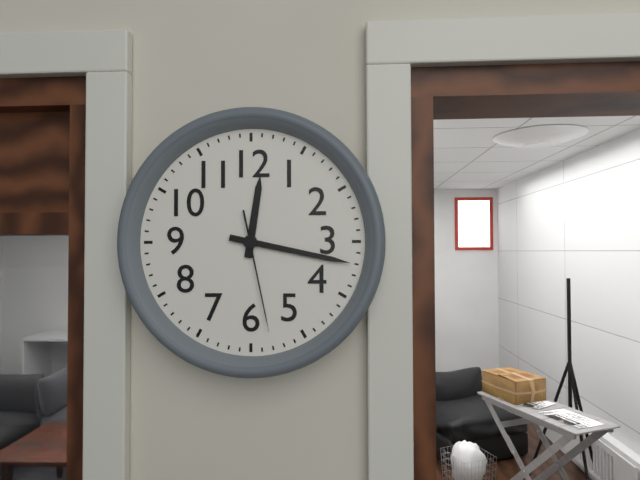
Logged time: 12:17:28
